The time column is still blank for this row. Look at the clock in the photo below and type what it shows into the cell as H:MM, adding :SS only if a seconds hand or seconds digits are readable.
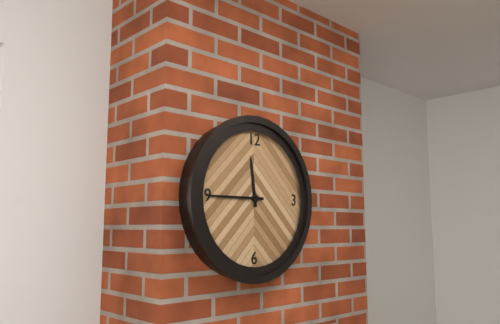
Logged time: 11:45
